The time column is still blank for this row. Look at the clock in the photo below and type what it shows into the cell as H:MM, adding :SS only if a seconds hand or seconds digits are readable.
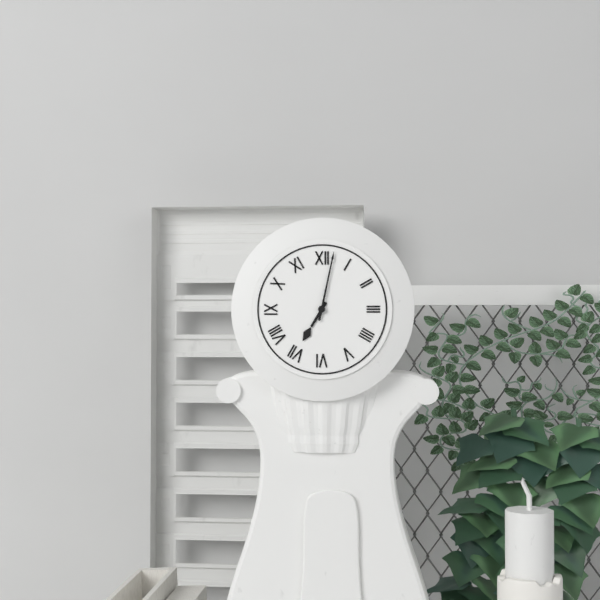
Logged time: 7:02
